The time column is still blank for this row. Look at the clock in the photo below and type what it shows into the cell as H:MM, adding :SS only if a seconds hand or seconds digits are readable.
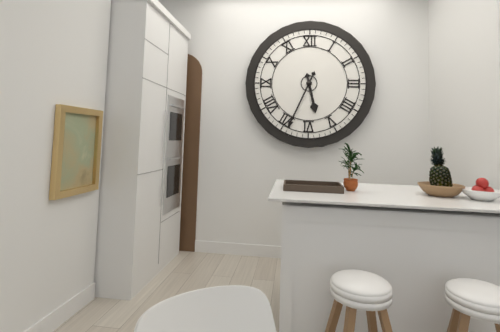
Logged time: 5:34
